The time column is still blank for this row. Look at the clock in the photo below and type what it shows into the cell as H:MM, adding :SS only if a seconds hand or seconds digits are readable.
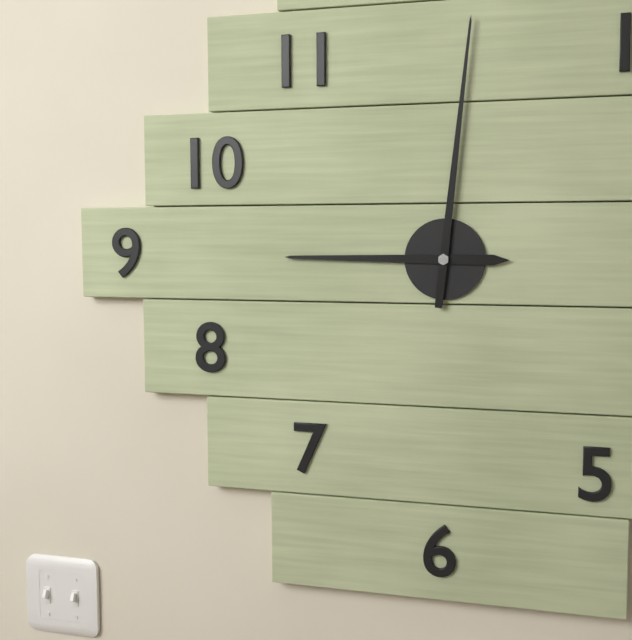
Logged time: 9:01
